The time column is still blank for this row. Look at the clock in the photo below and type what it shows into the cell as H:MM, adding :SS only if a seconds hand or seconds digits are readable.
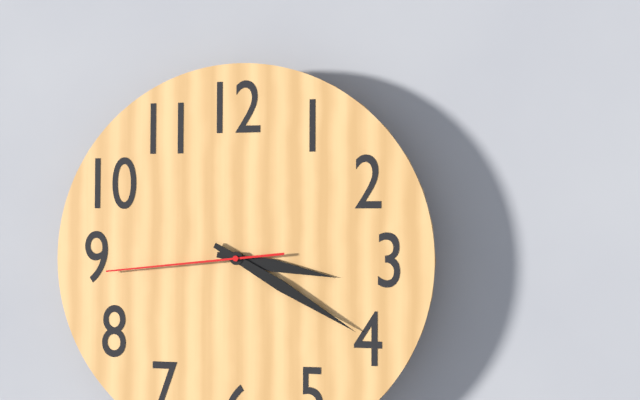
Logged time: 3:20:44
